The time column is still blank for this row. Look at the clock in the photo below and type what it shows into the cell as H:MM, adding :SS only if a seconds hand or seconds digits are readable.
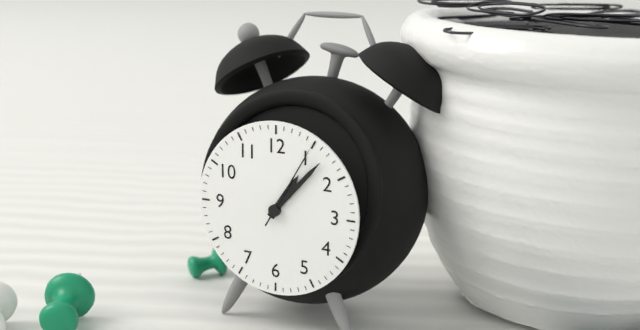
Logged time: 1:07:05
